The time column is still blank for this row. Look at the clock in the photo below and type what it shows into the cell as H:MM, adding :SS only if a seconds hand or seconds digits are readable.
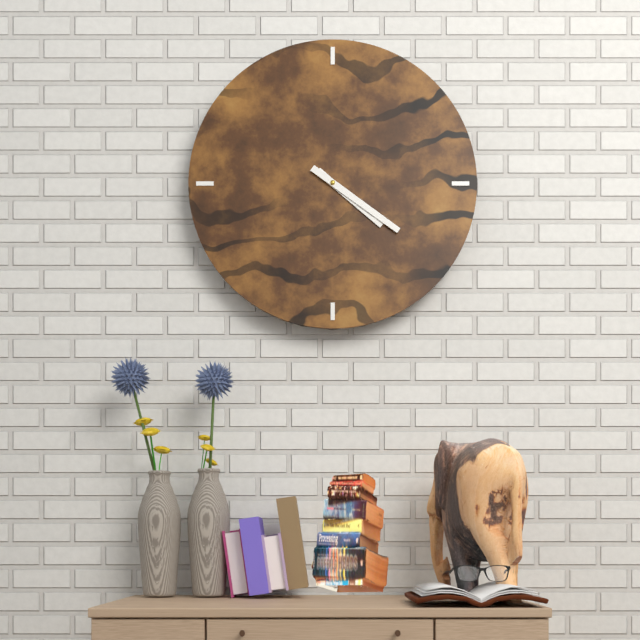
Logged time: 4:21
